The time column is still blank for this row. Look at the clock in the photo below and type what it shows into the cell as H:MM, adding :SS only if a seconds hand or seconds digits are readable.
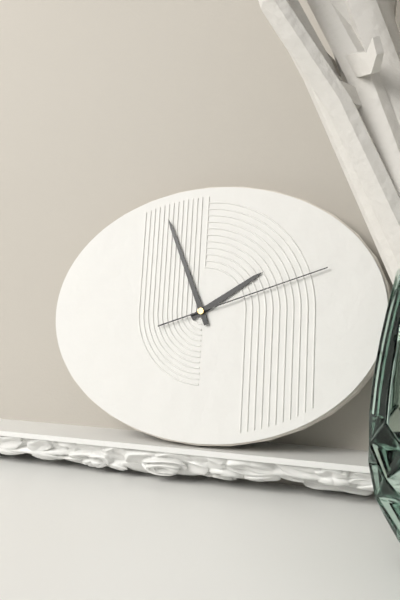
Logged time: 1:56:12
